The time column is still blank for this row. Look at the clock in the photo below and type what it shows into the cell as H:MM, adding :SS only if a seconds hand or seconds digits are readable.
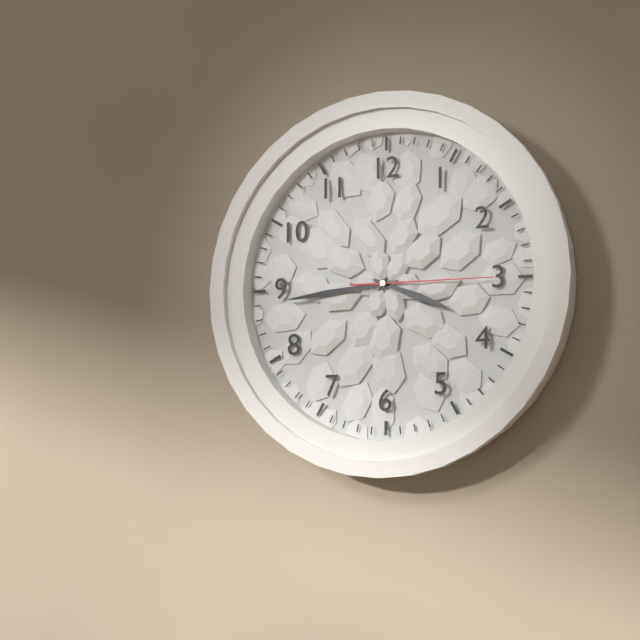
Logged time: 3:44:15
